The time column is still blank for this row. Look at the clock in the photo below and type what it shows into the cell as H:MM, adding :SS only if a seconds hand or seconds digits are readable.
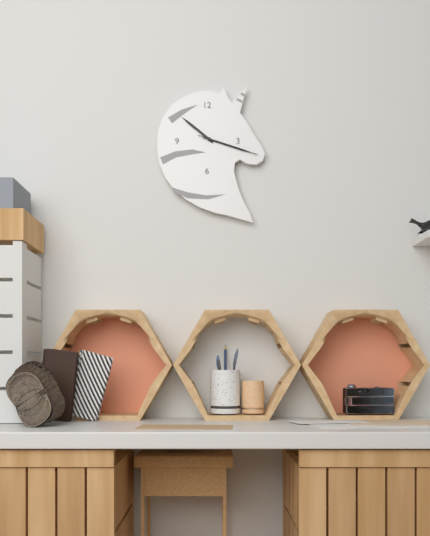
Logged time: 10:18:18
